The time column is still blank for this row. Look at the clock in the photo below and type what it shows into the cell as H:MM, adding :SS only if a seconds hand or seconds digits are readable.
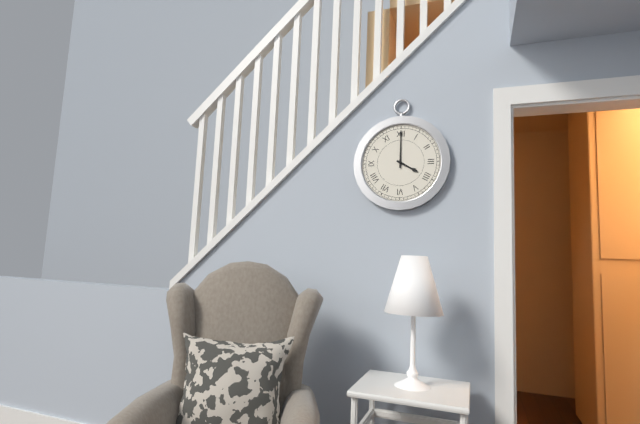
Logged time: 4:00
